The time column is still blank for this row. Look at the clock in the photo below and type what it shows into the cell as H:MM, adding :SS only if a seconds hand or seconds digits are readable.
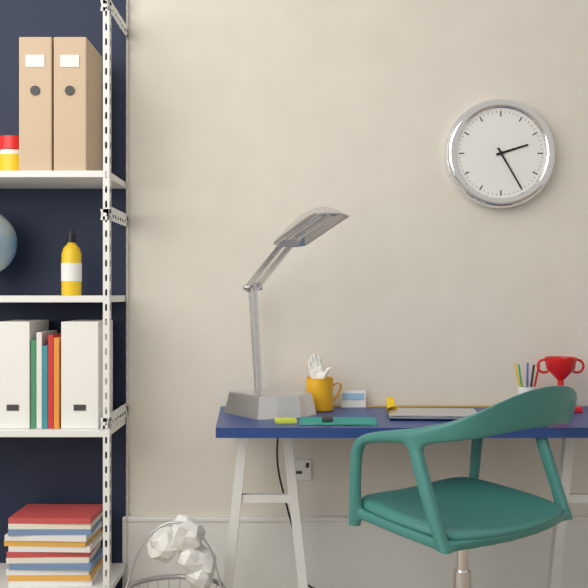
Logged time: 2:25
